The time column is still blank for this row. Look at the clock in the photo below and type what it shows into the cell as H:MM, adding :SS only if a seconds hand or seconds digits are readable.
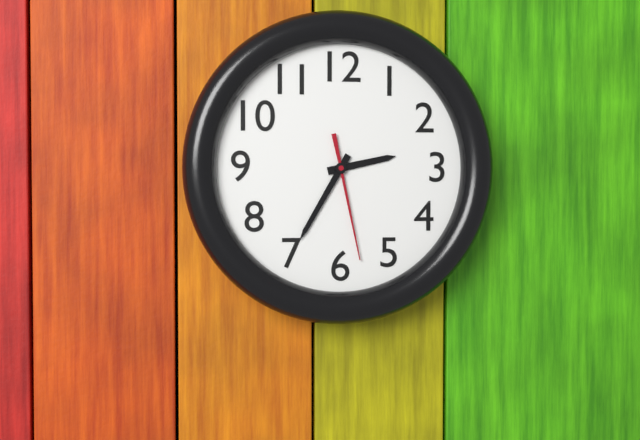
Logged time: 2:35:28
